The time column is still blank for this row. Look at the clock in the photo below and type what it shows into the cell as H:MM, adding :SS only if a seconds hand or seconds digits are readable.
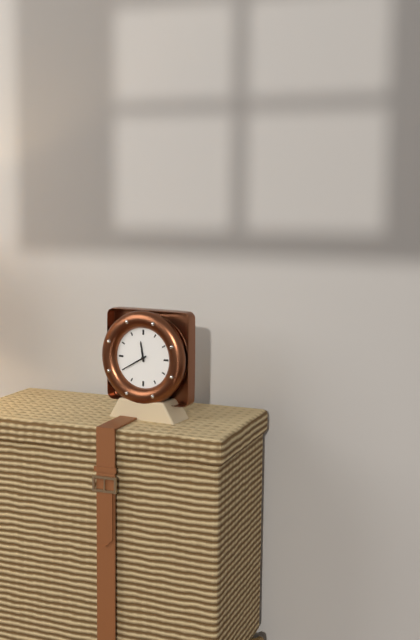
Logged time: 11:40
